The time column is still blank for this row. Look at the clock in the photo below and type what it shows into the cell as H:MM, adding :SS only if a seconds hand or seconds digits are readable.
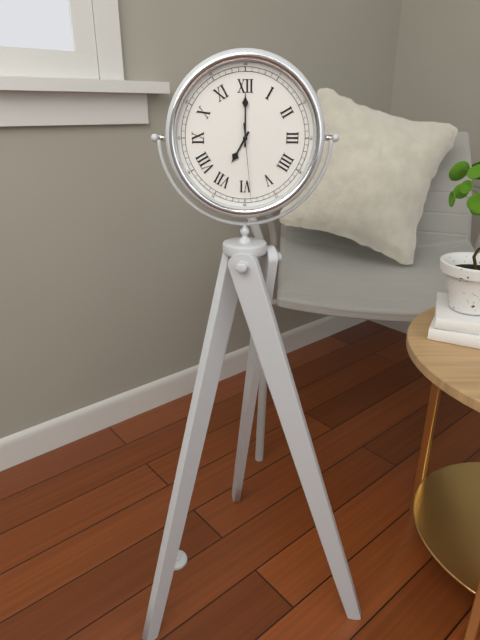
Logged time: 7:00:29
